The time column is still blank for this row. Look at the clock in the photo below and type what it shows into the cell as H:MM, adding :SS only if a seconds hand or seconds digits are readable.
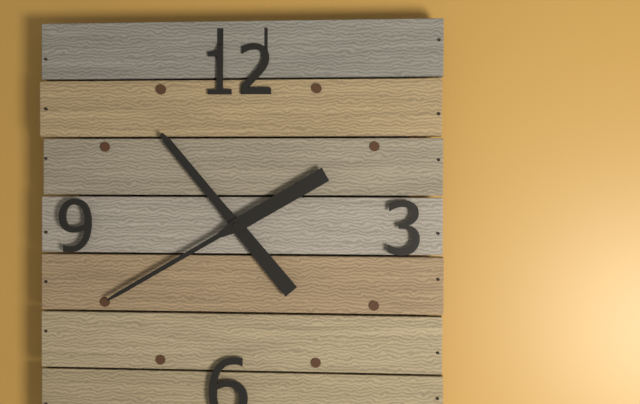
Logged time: 10:40
